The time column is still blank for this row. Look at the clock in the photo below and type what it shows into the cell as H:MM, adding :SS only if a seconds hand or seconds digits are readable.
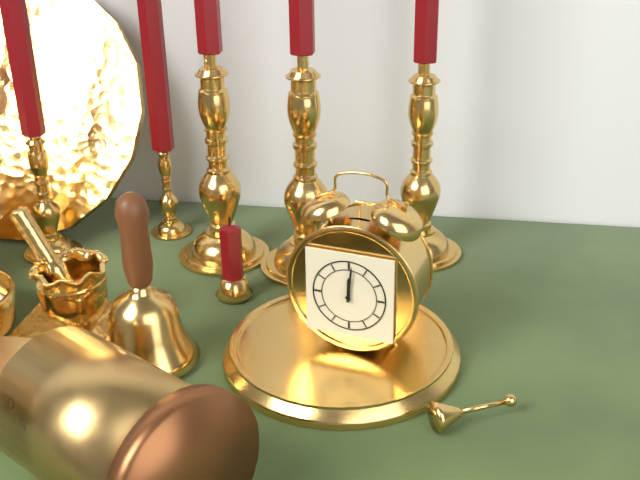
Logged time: 12:01
